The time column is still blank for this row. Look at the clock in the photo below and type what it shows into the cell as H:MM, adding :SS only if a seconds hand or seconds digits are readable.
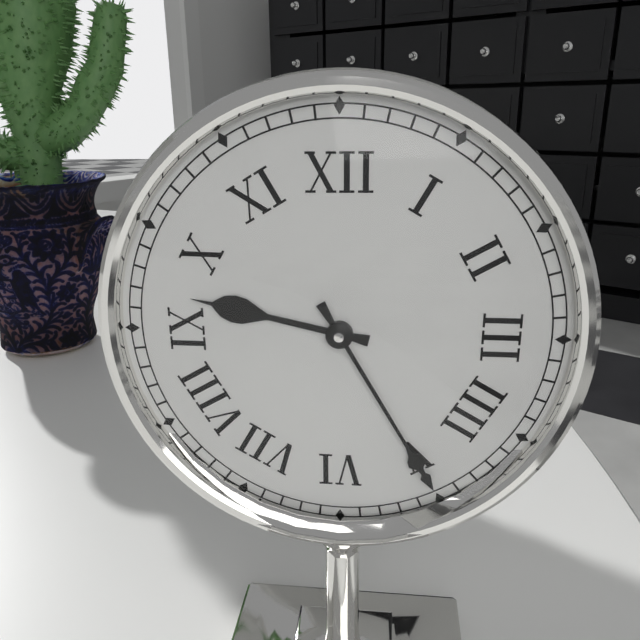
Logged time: 9:25
